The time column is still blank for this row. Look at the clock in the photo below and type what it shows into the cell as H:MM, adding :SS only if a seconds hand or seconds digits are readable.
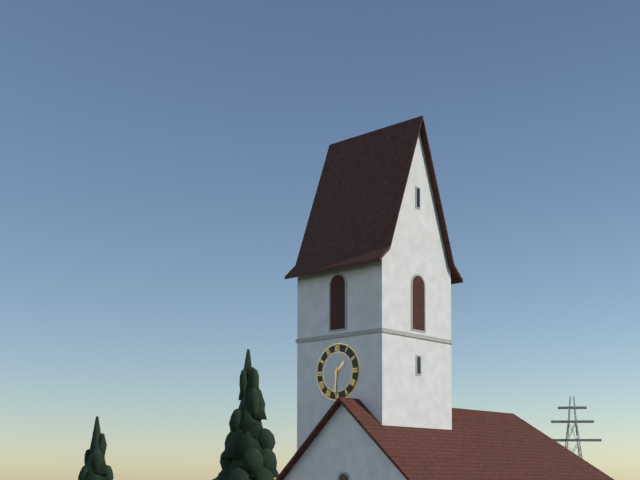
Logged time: 1:31
